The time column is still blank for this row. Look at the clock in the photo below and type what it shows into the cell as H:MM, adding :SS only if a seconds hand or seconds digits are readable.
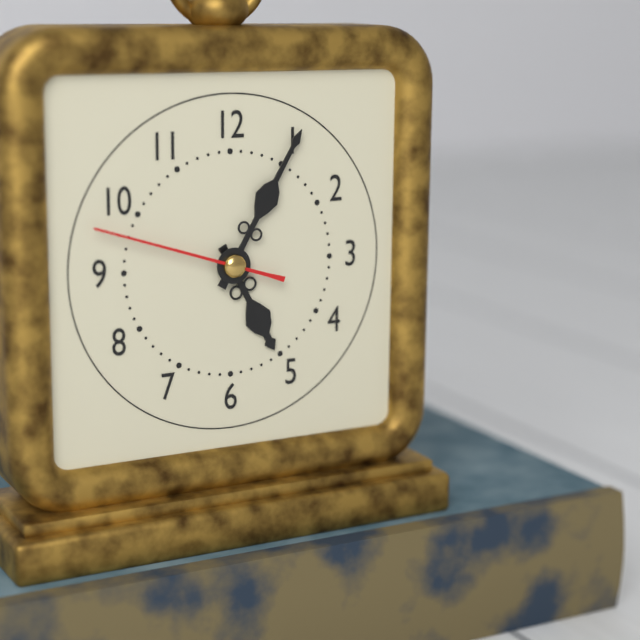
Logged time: 5:05:48
